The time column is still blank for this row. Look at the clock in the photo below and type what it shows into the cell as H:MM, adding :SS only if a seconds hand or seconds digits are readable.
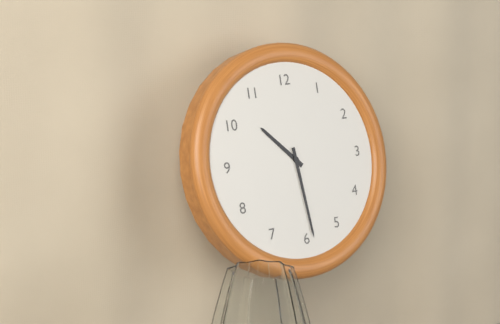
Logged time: 10:29
